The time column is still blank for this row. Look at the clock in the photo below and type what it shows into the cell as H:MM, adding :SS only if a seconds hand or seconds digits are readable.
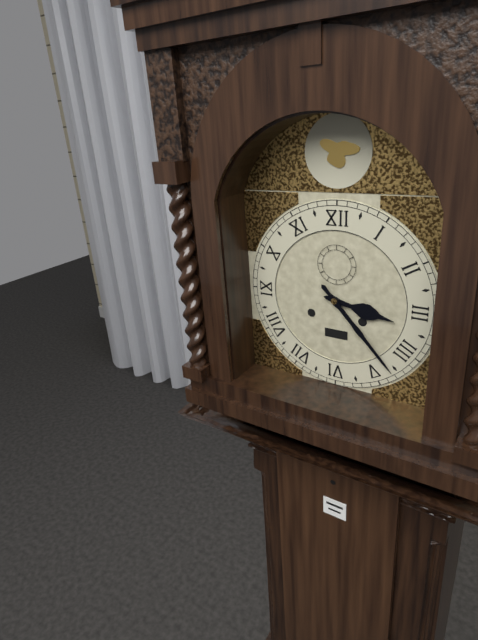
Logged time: 3:23
